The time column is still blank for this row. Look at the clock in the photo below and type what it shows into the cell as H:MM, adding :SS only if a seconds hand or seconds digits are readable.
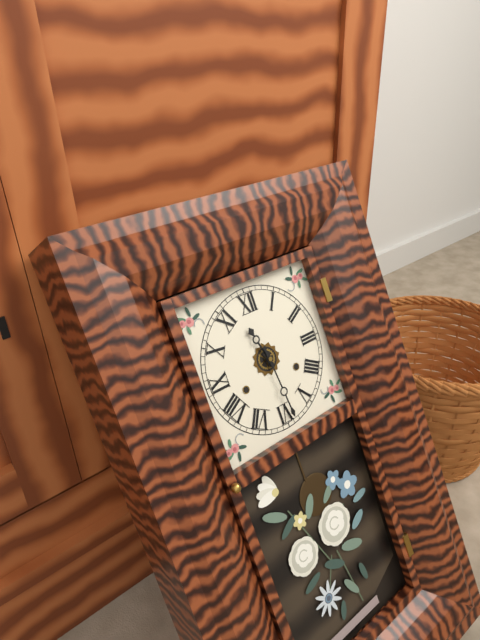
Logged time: 11:29
